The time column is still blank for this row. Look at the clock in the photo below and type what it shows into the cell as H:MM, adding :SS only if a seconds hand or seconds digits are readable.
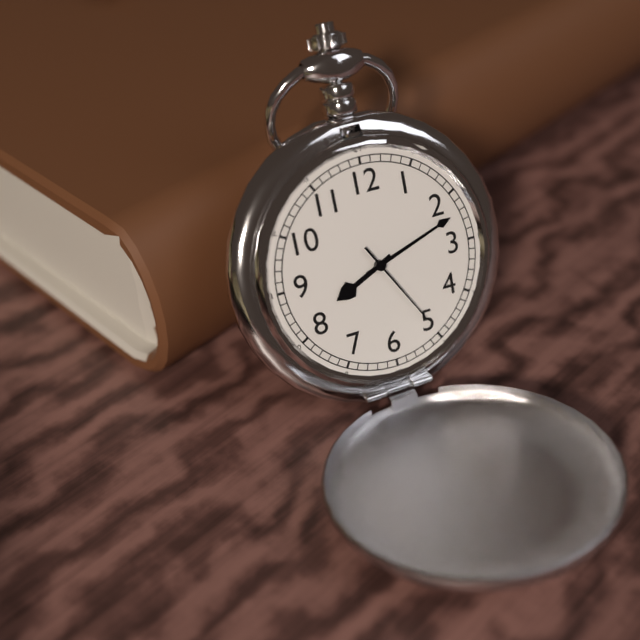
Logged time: 8:12:25
